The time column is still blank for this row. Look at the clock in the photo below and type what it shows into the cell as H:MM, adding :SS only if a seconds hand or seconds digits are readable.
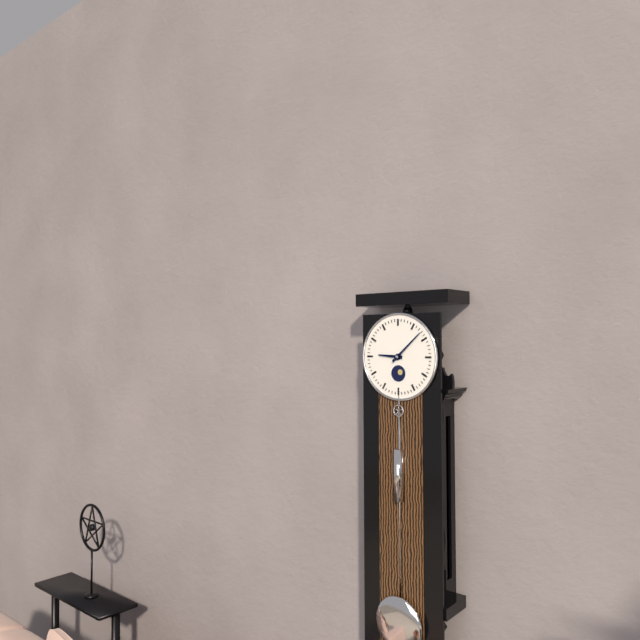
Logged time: 9:08
